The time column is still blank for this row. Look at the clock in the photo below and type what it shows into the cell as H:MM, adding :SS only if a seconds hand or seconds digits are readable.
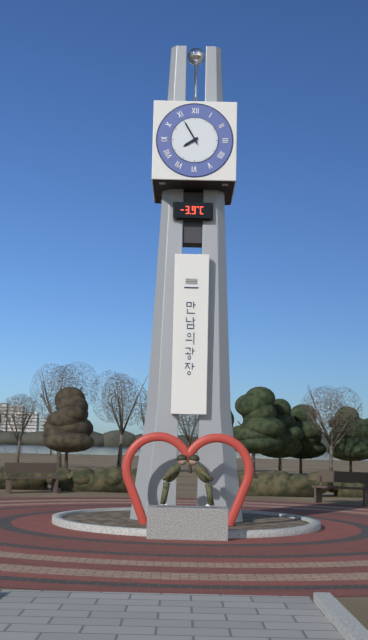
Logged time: 7:55
